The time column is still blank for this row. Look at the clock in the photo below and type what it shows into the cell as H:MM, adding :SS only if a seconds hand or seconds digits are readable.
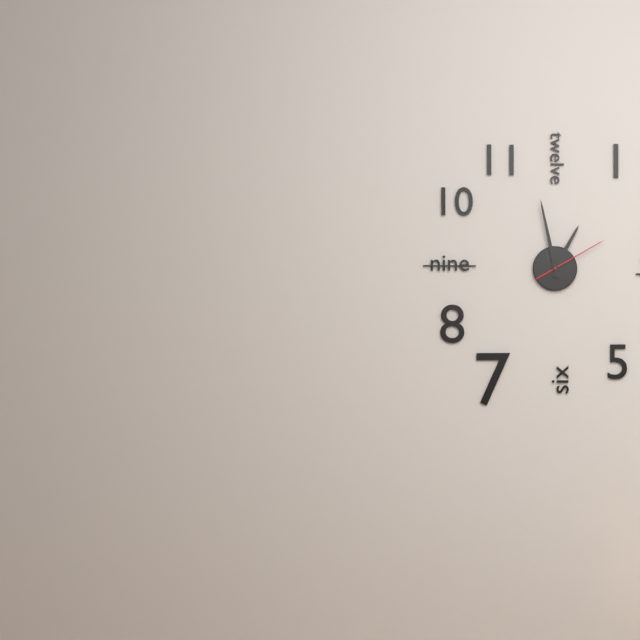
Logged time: 12:58:10
